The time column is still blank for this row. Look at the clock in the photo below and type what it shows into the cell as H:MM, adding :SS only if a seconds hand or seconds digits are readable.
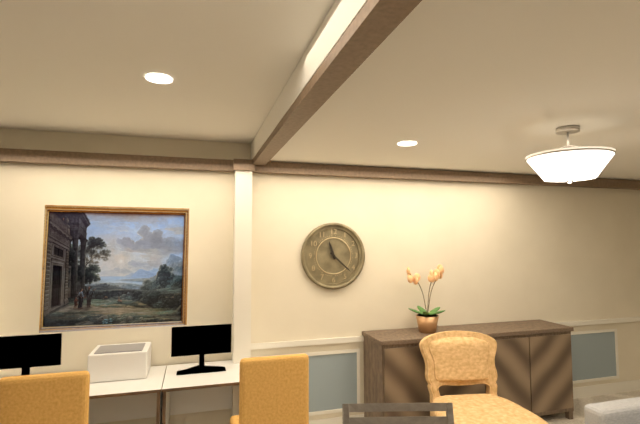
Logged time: 11:22
